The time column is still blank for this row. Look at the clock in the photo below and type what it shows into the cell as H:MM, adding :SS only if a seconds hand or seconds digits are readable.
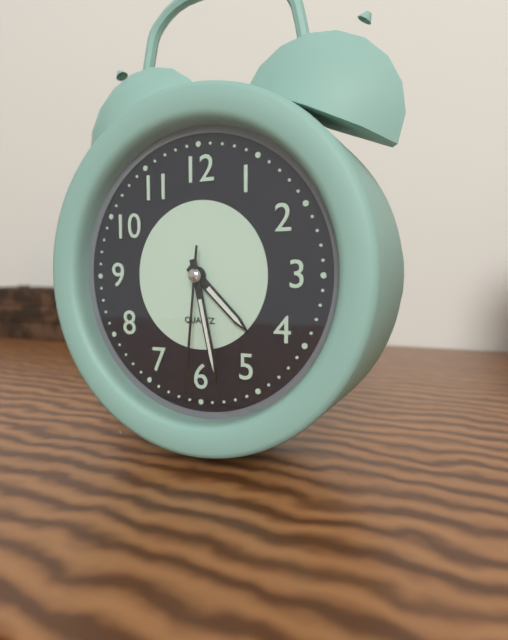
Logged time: 4:28:31
